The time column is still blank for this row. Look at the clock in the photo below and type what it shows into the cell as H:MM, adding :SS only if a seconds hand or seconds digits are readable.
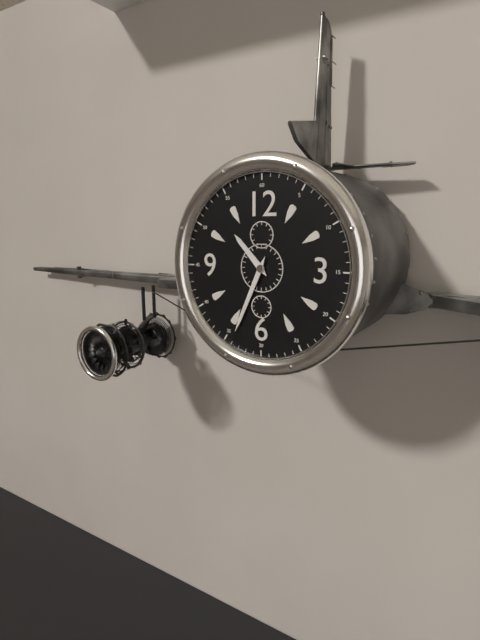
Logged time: 10:34
